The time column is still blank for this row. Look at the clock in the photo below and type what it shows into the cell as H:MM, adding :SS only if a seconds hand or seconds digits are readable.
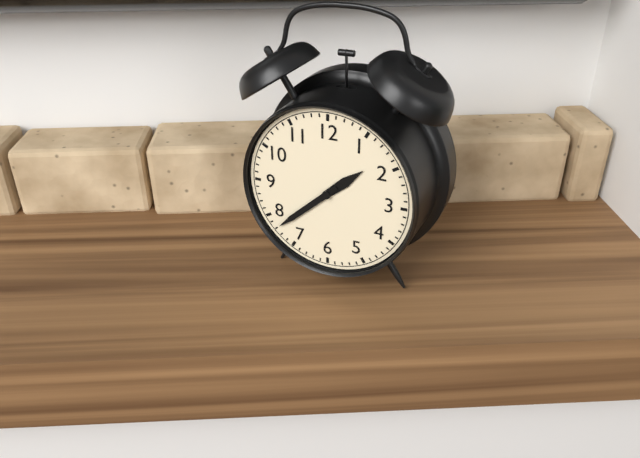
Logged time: 1:38
